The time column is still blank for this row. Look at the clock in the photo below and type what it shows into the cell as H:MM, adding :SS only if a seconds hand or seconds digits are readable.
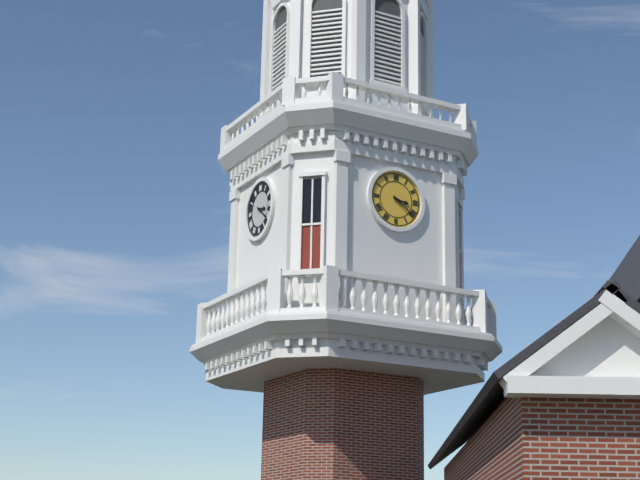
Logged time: 3:21
